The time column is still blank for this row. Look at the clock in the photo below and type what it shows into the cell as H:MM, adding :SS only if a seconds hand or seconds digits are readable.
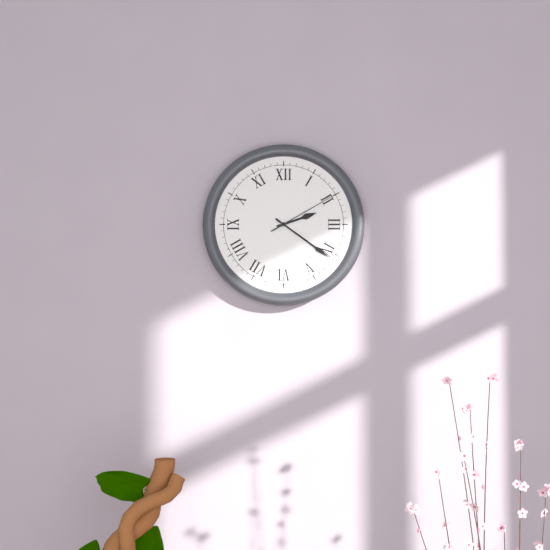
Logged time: 2:21:10
